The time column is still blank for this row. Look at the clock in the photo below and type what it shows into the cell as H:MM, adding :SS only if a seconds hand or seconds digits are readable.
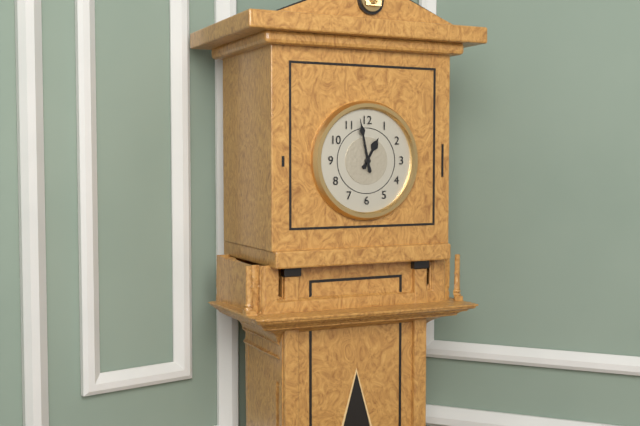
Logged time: 12:58
